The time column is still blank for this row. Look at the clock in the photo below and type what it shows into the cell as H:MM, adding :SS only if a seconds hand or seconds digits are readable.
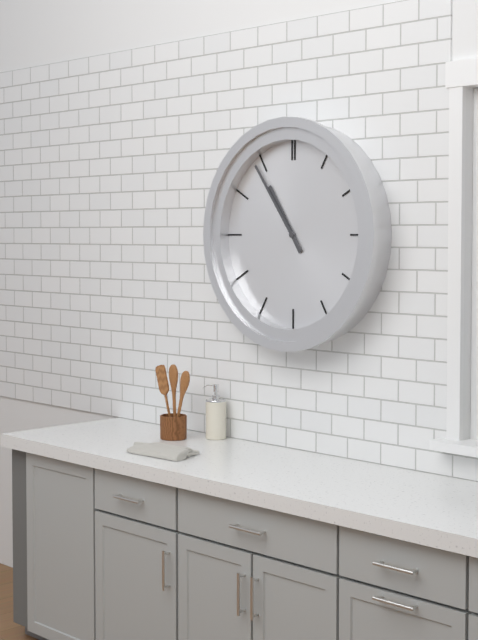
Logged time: 10:54
